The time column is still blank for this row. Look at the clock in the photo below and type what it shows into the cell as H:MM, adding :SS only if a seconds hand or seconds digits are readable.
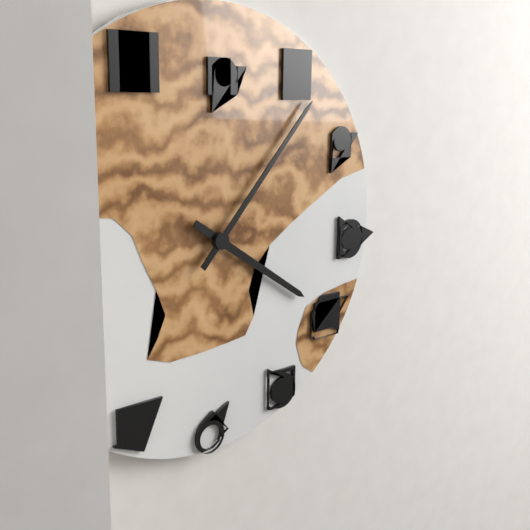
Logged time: 4:07
